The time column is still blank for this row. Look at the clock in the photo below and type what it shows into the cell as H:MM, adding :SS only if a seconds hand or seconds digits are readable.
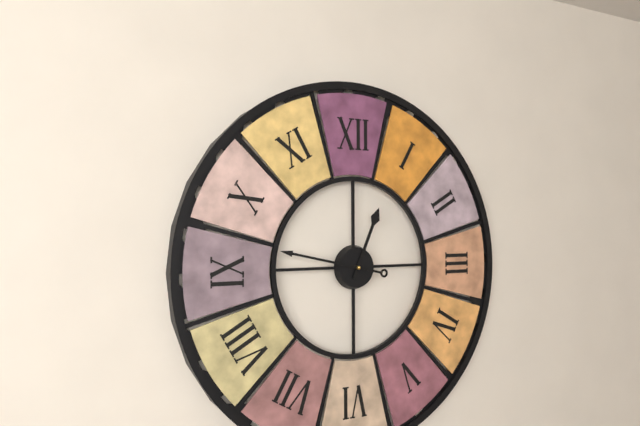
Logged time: 12:47
